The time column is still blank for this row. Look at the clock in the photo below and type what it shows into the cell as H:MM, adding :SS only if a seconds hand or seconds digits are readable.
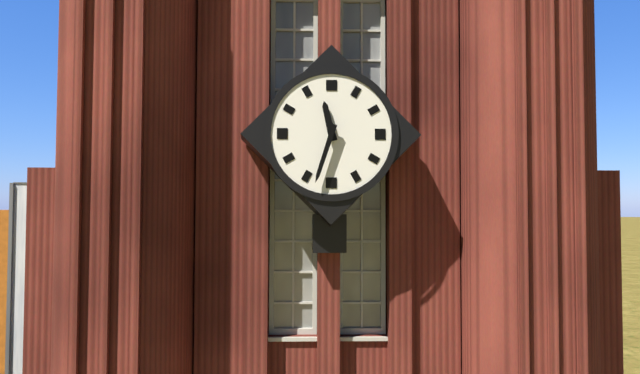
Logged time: 11:33
